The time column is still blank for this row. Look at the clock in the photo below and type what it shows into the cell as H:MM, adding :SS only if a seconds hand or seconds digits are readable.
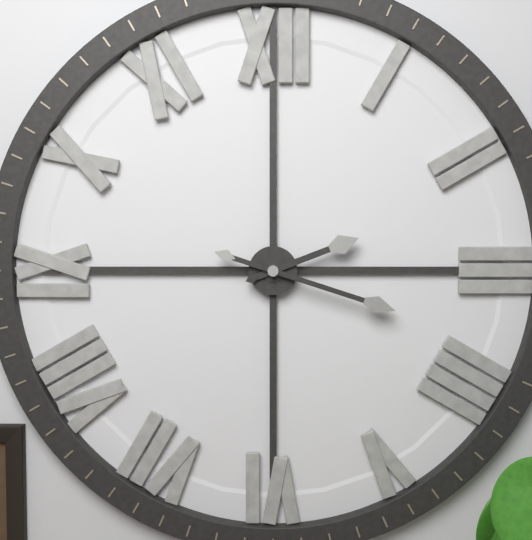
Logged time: 2:18
